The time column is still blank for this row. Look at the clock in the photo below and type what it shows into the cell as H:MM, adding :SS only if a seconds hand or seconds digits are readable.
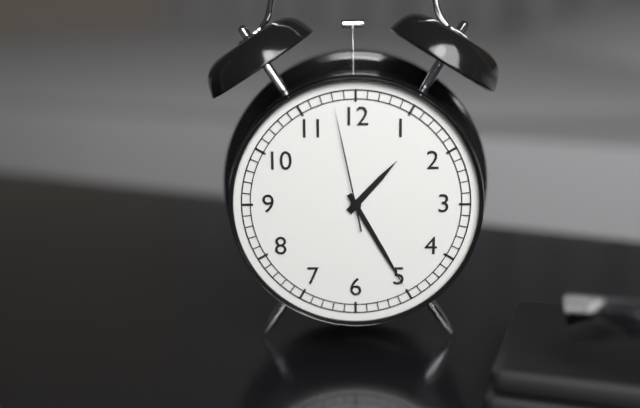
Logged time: 1:25:58
